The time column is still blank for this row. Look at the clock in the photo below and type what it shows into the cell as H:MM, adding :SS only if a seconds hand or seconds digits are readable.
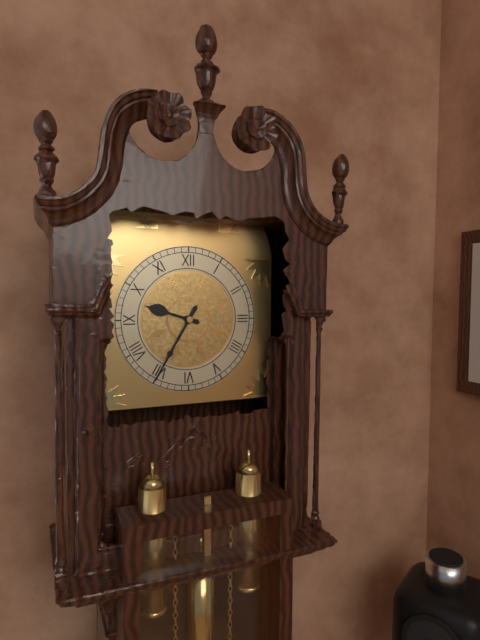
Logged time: 9:35
